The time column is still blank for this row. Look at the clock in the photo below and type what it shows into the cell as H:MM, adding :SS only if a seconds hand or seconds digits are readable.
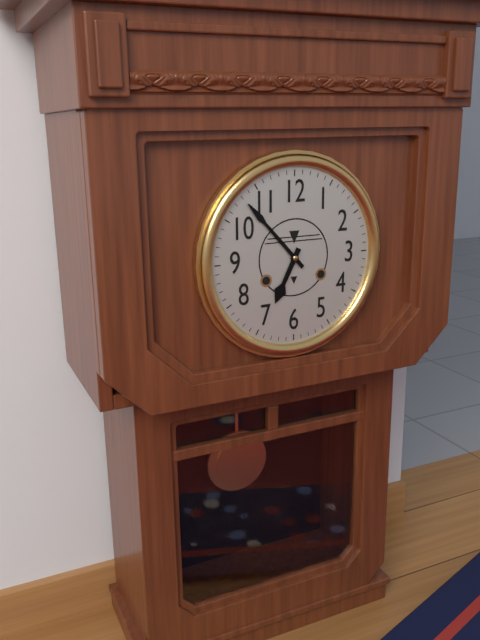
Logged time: 6:53
